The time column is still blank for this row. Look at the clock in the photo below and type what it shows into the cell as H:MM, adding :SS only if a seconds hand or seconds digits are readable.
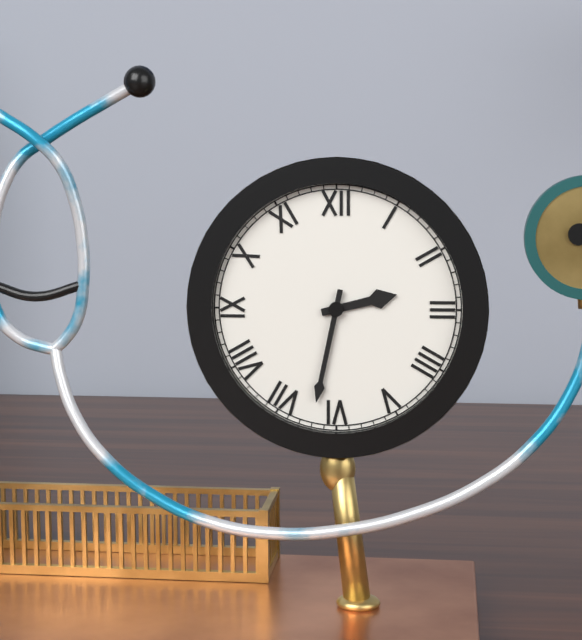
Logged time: 2:32
